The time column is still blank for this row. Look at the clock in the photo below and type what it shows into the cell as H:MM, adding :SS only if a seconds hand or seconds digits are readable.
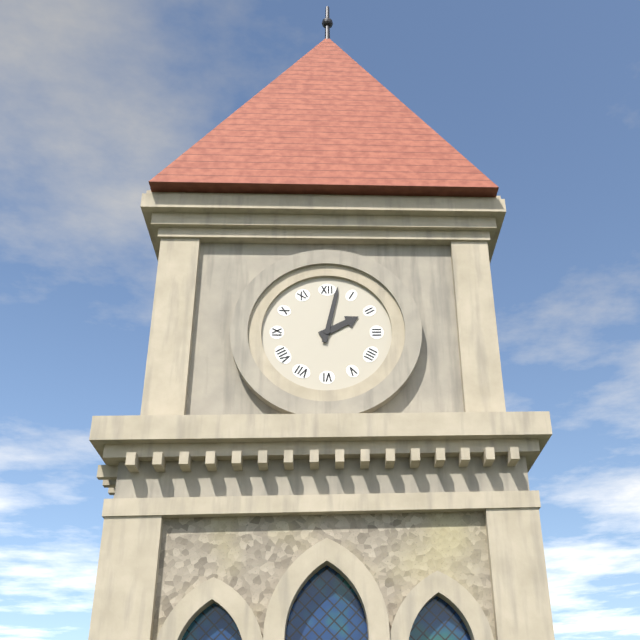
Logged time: 2:02
